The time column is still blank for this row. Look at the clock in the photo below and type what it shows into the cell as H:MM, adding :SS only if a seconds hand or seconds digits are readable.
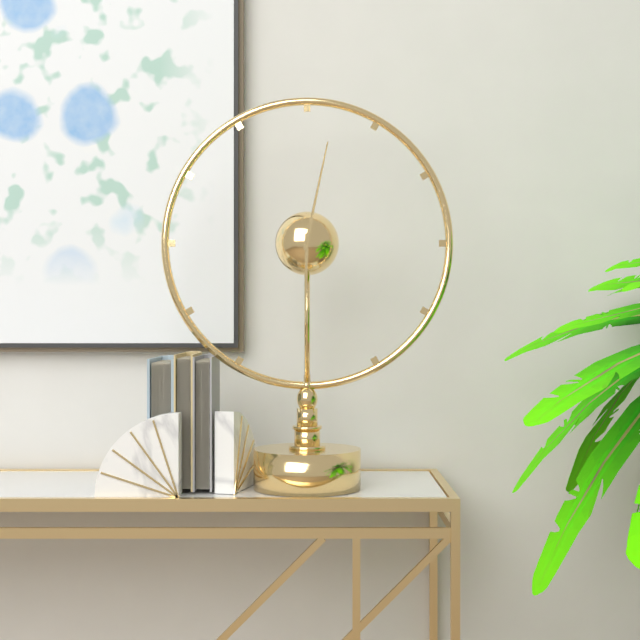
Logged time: 6:02
